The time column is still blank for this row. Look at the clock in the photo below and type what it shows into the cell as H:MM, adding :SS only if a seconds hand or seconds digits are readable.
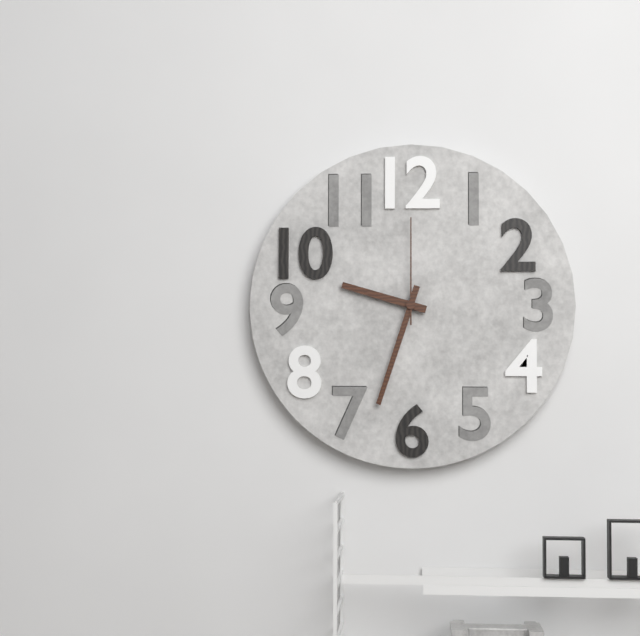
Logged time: 9:33:00
